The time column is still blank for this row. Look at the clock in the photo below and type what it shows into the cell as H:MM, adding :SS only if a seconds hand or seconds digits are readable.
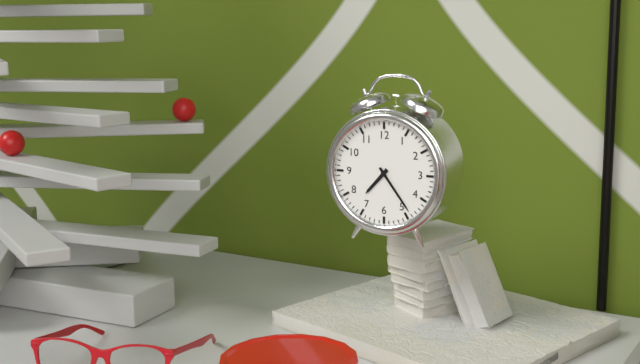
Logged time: 7:24
